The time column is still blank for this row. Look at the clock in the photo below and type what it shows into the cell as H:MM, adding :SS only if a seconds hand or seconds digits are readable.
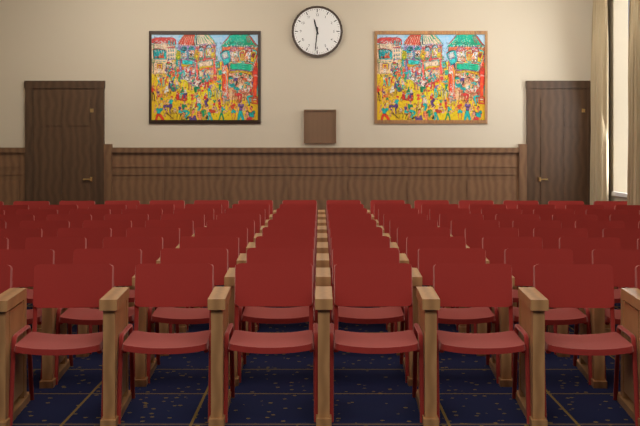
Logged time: 11:31
